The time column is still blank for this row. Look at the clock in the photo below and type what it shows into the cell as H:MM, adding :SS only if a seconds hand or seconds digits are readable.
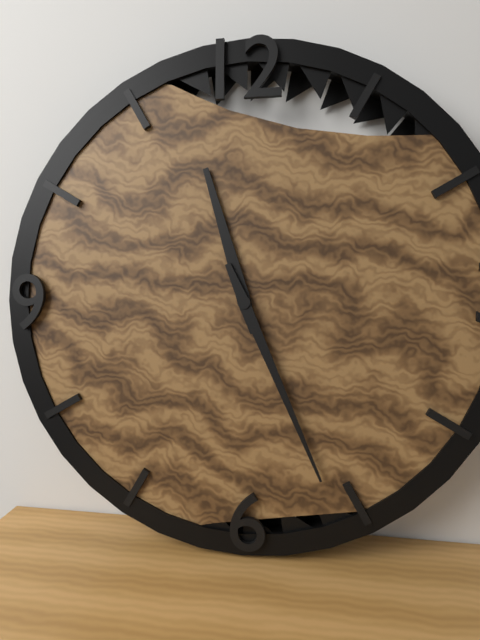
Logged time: 11:26
